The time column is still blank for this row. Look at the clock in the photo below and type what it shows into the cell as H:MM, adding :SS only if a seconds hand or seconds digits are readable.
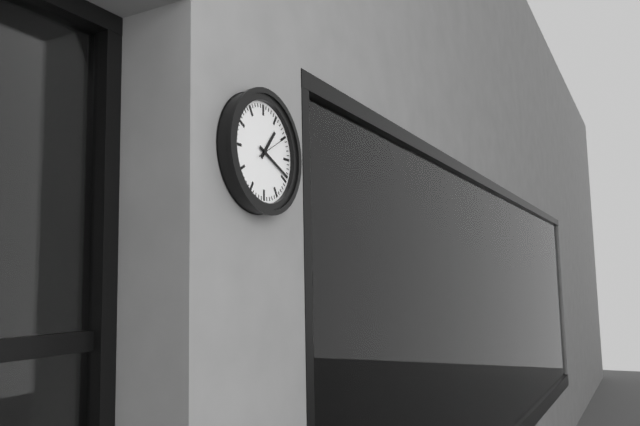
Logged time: 1:19
